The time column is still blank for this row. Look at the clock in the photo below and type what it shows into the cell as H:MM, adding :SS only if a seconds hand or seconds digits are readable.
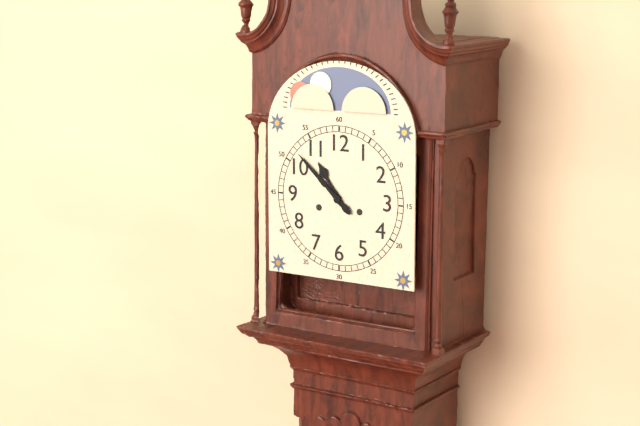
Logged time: 10:52
